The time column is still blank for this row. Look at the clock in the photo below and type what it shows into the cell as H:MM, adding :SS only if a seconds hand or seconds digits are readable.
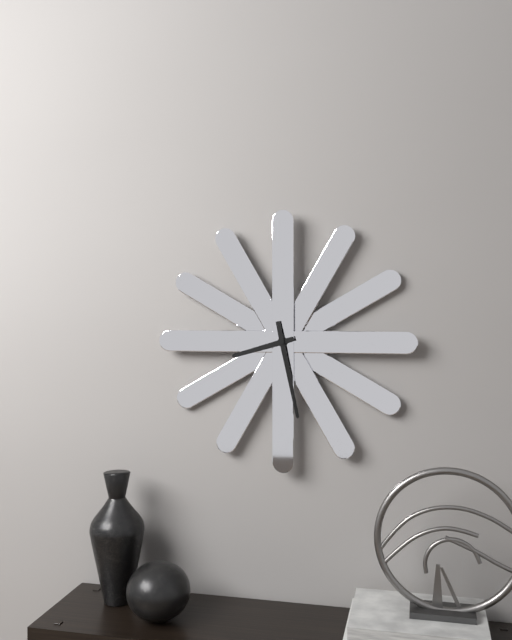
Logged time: 8:28
